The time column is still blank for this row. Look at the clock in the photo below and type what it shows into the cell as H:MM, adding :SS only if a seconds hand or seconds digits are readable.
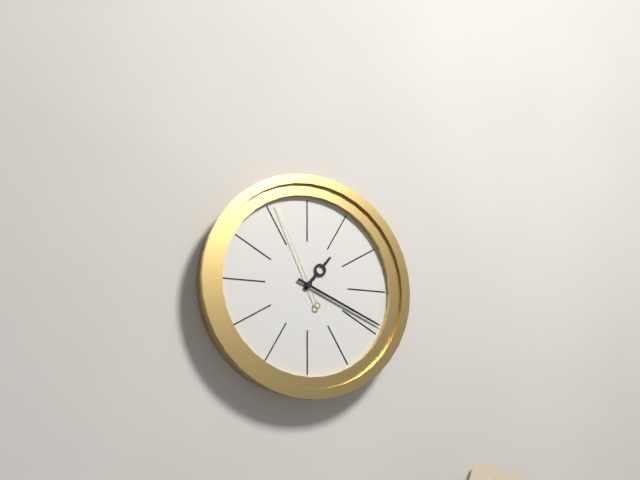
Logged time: 1:19:56
